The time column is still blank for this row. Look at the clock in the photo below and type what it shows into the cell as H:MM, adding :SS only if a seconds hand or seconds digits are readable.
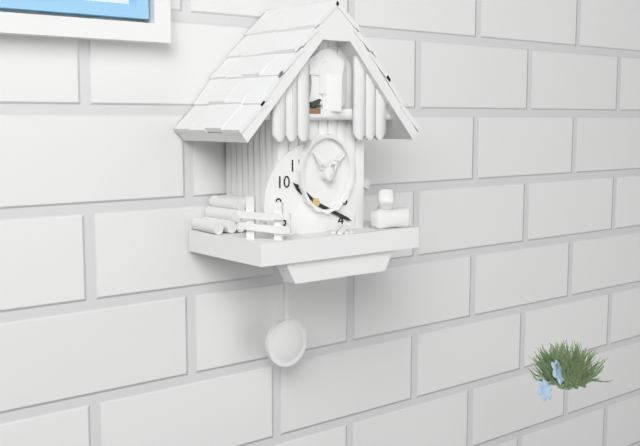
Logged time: 10:19
